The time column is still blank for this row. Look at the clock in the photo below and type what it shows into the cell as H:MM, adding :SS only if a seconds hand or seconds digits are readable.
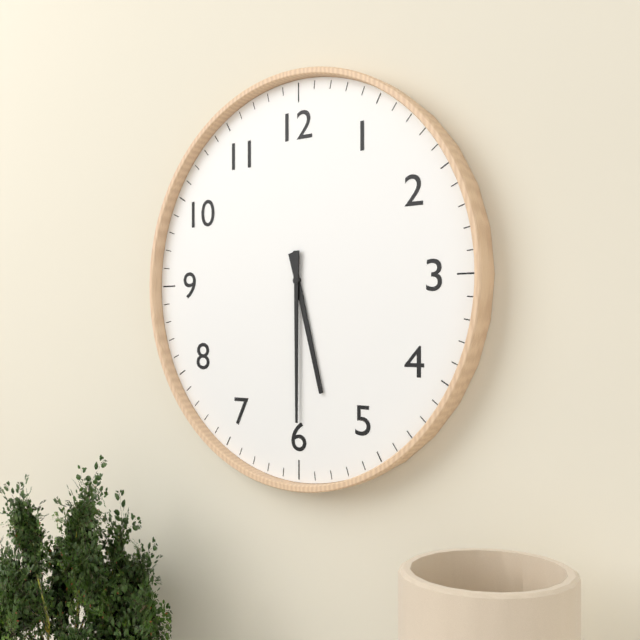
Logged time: 5:30
